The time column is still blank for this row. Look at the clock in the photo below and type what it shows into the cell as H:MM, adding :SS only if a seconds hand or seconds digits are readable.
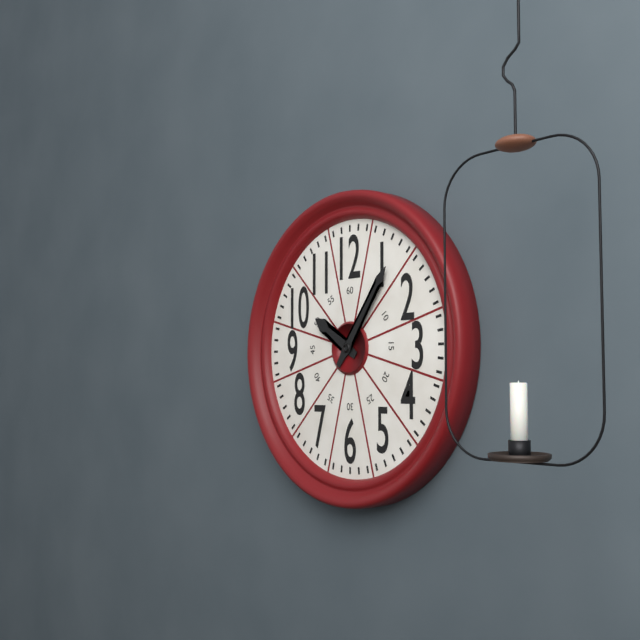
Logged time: 10:06
